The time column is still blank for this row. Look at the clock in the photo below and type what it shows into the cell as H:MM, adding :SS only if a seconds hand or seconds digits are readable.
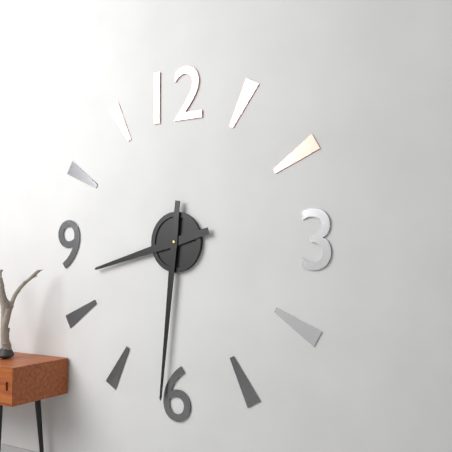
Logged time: 8:31
